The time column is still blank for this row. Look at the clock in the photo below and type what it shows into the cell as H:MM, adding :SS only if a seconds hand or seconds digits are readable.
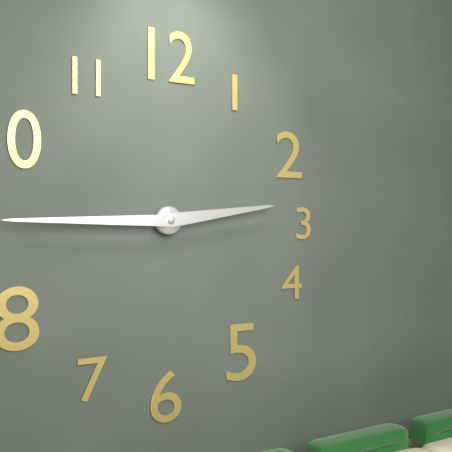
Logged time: 2:45
